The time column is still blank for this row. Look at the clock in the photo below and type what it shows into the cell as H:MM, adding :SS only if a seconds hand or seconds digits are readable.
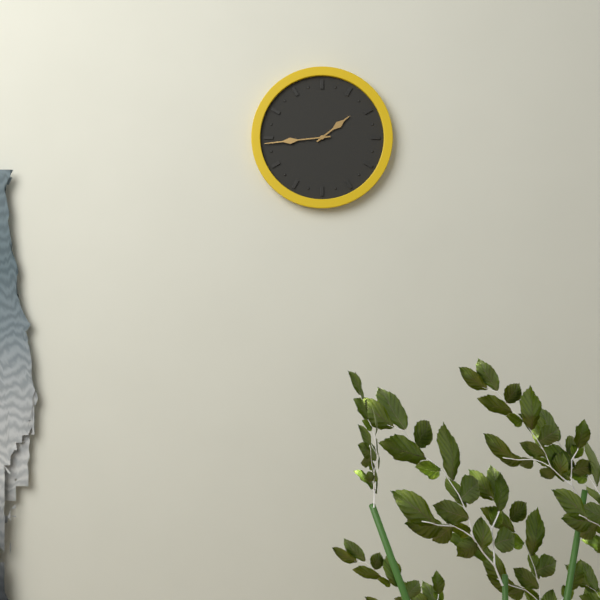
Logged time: 1:44
